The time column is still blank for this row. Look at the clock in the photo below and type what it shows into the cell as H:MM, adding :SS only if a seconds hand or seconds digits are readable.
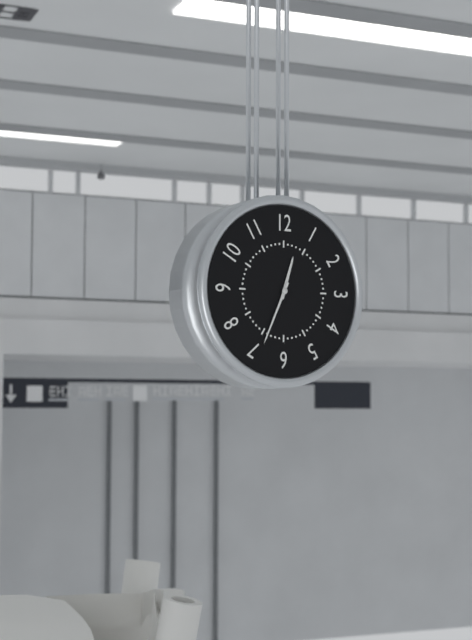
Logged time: 12:34
